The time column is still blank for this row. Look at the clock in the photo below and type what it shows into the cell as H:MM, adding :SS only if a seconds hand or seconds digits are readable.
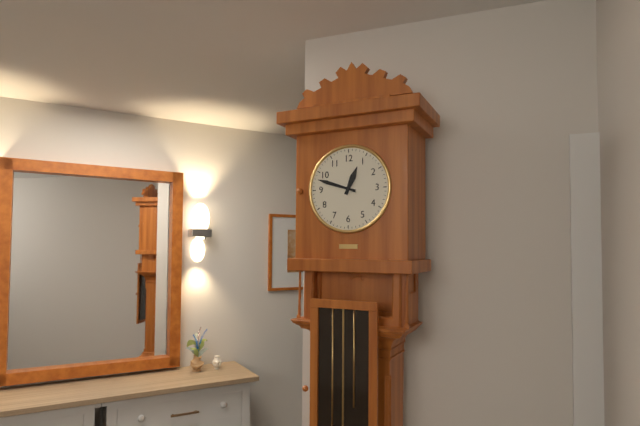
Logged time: 12:48
